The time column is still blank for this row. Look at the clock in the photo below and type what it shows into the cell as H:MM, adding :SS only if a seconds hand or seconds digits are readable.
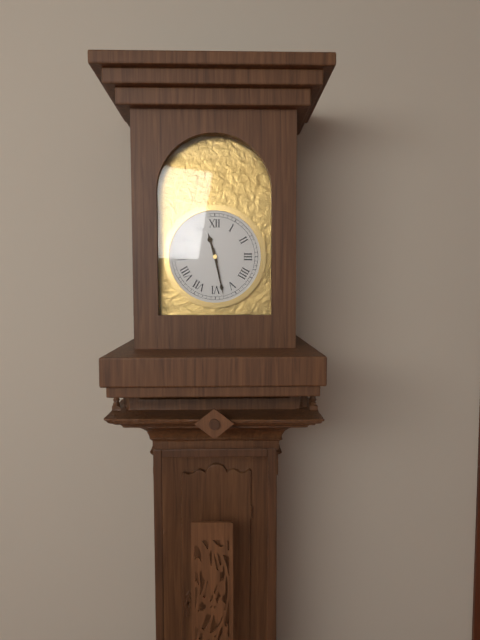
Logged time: 11:28
